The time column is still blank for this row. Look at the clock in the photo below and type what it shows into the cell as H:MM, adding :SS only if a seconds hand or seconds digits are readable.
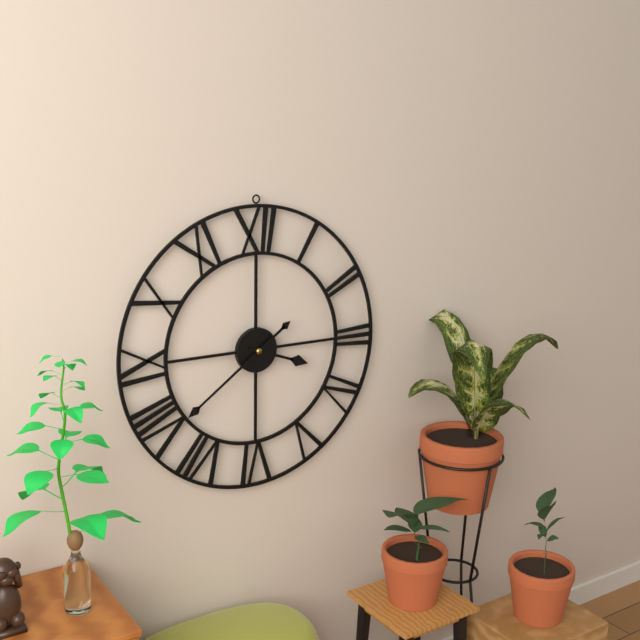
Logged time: 3:39
